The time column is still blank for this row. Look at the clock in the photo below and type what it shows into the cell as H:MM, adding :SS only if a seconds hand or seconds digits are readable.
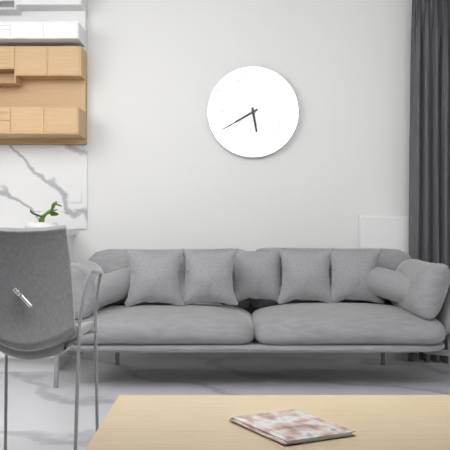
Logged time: 5:40
